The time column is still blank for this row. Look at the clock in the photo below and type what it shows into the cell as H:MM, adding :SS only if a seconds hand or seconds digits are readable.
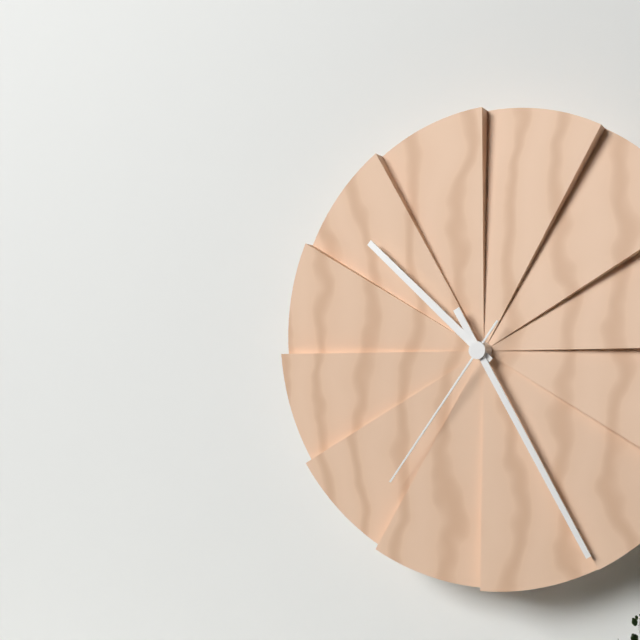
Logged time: 10:25:36
